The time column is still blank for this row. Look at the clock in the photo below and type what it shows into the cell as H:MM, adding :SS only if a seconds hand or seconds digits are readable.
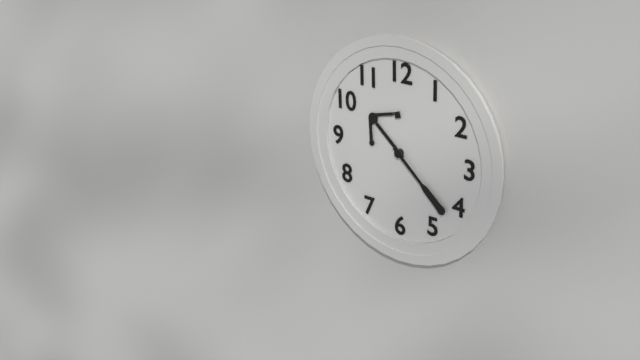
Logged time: 10:22
